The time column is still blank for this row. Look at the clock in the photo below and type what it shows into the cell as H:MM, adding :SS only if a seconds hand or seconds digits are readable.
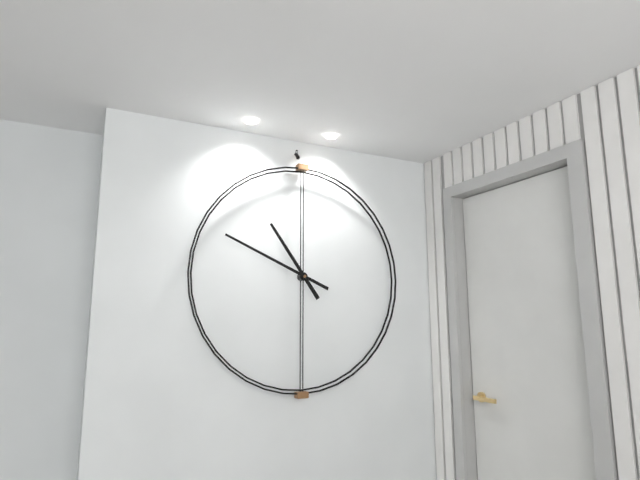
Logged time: 10:49
